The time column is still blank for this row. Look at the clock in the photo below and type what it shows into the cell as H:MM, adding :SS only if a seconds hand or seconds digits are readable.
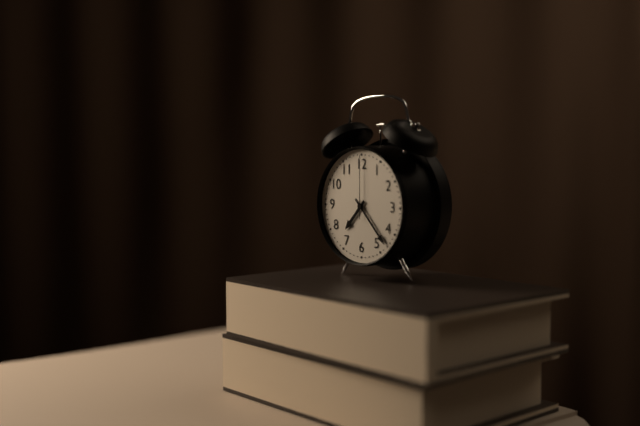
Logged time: 7:23:00
